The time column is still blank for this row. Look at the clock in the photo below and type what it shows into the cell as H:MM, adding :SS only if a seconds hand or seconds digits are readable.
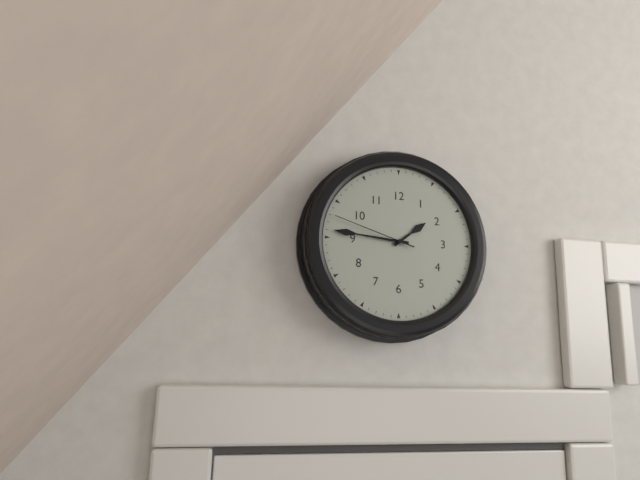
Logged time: 1:46:48
